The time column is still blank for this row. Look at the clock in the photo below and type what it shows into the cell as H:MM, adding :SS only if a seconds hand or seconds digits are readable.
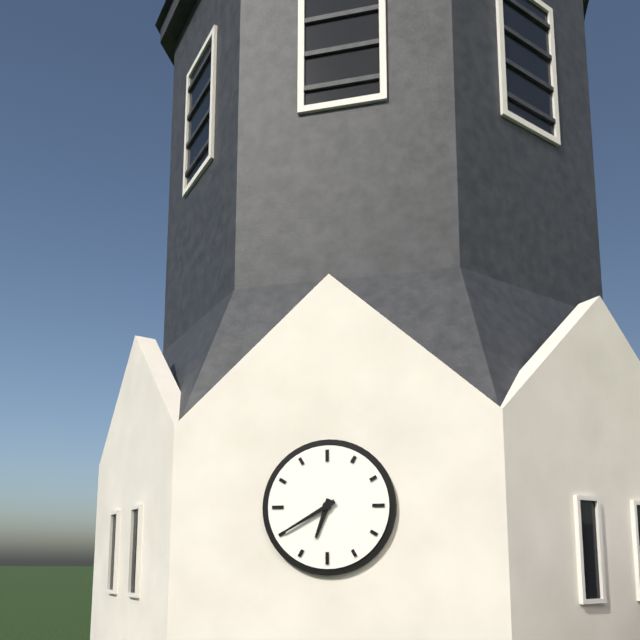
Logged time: 6:40
